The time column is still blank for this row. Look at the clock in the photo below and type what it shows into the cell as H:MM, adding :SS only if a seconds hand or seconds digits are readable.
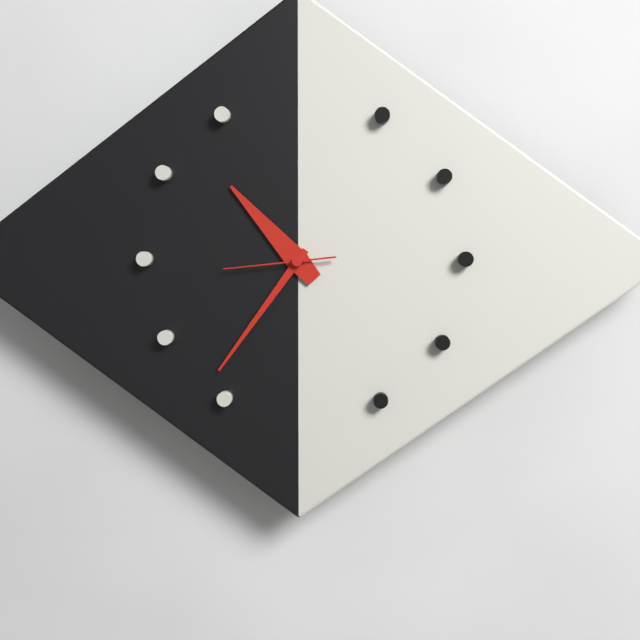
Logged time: 10:36:44
